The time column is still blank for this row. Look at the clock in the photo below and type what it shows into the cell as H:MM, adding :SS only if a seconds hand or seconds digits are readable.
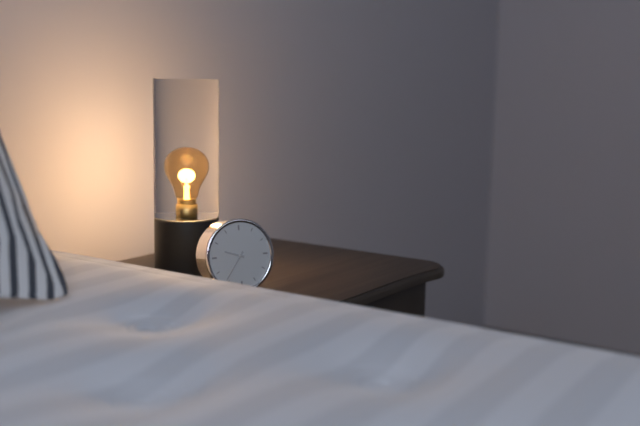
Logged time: 9:36
